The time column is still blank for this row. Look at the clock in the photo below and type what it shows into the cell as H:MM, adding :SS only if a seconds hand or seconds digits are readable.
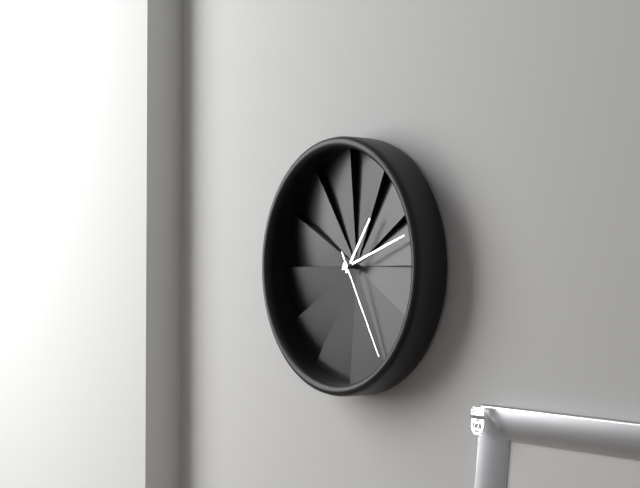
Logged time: 1:12:25
